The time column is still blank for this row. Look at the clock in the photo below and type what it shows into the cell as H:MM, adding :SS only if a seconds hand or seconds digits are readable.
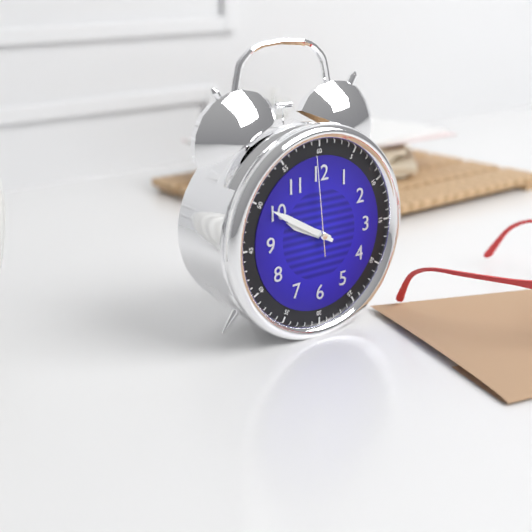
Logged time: 9:50:59
